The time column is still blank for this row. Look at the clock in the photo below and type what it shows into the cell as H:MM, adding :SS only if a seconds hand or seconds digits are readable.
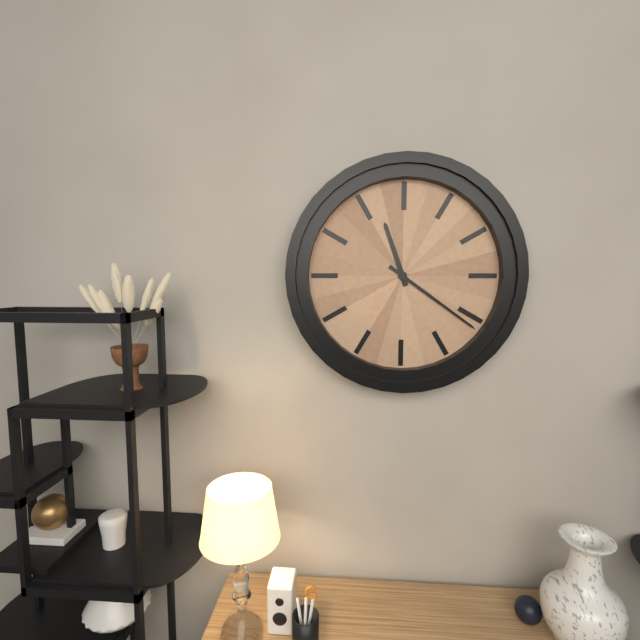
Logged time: 11:21
